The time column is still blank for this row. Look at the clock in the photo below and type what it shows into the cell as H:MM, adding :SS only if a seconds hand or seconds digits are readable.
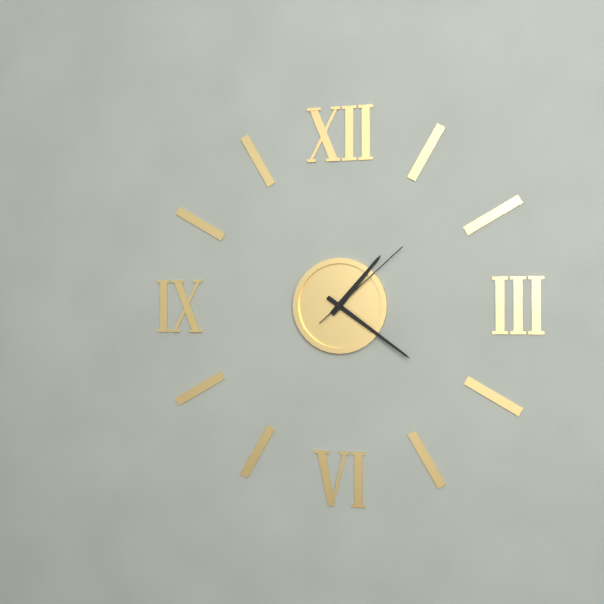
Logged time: 1:21:08
